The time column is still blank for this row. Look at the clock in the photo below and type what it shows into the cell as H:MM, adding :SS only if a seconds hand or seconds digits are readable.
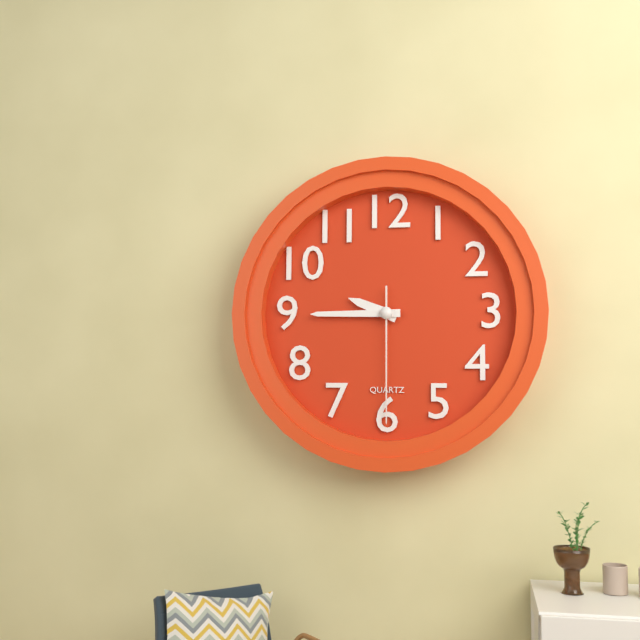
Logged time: 9:45:30
